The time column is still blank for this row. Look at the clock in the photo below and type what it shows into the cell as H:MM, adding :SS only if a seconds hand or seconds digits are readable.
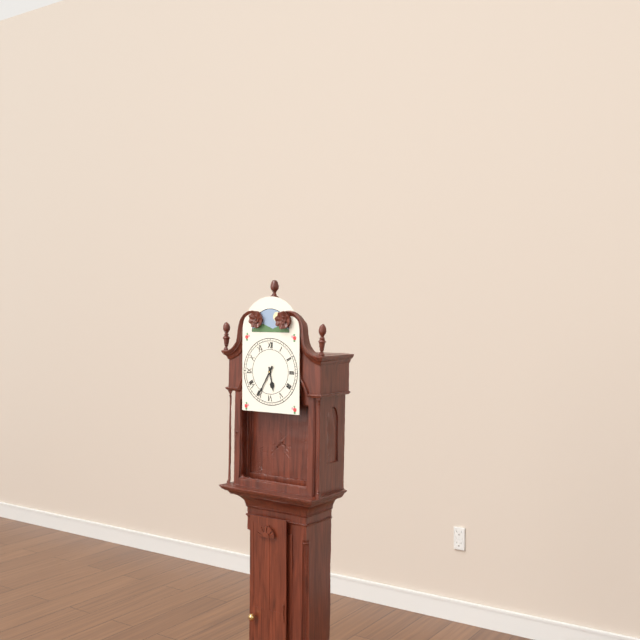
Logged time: 5:35
